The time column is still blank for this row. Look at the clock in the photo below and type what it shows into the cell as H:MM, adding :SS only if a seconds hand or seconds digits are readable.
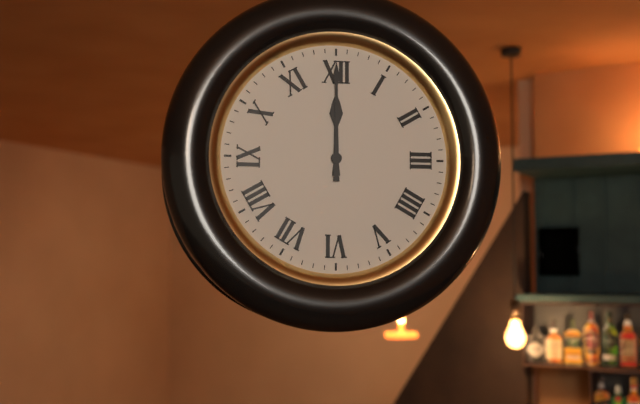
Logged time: 12:00
